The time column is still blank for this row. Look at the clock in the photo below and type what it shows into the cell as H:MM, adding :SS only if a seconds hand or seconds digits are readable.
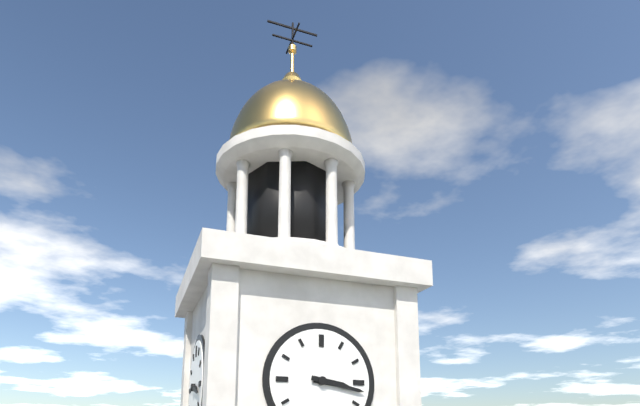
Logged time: 3:17
